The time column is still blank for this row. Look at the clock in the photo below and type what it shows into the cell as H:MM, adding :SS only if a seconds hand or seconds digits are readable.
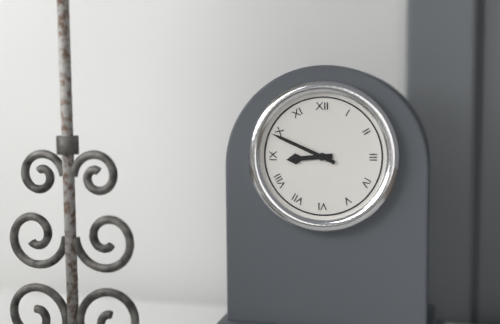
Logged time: 8:49
